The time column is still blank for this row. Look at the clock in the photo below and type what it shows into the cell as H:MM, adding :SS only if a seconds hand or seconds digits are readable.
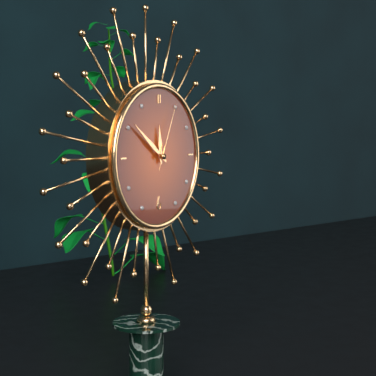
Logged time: 11:51:04
